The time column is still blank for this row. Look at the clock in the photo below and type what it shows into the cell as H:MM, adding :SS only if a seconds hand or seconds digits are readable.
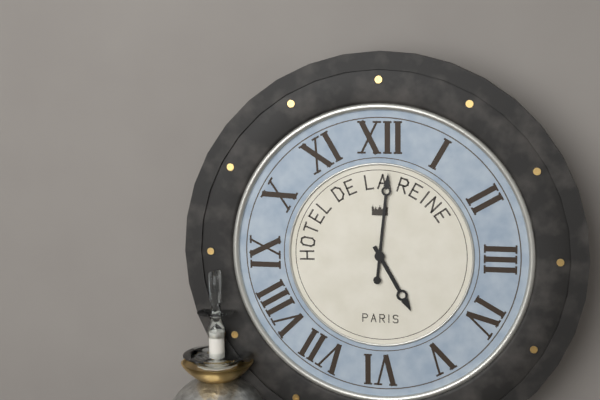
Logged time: 5:01
